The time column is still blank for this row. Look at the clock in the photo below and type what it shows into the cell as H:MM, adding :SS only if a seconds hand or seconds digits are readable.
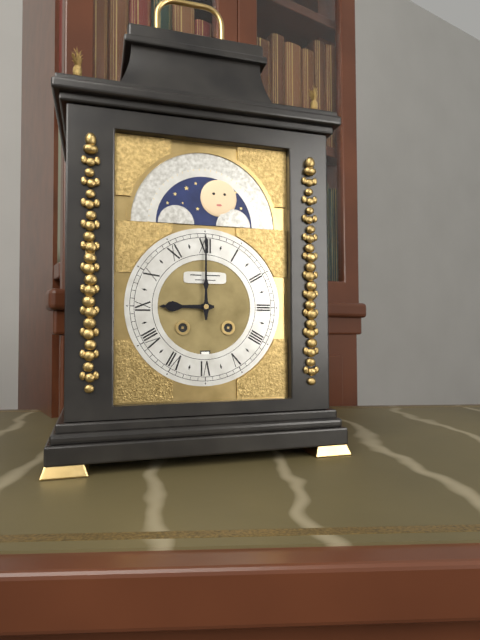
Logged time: 9:00
